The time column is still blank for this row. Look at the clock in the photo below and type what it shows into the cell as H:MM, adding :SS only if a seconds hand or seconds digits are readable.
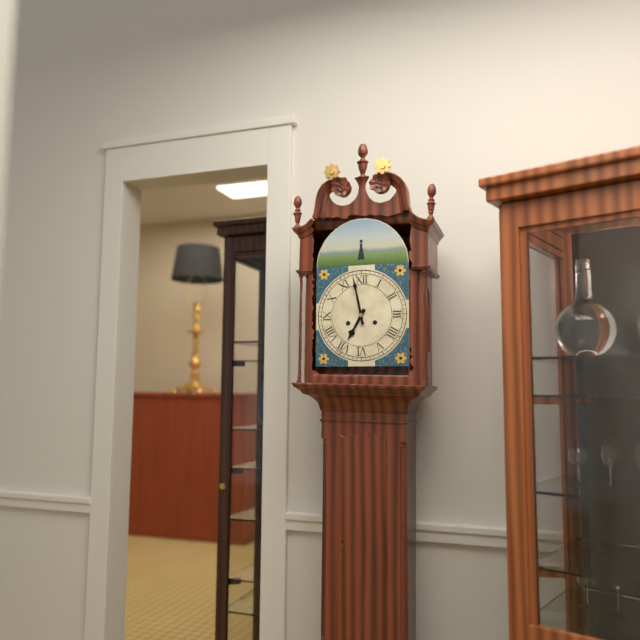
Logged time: 6:58
